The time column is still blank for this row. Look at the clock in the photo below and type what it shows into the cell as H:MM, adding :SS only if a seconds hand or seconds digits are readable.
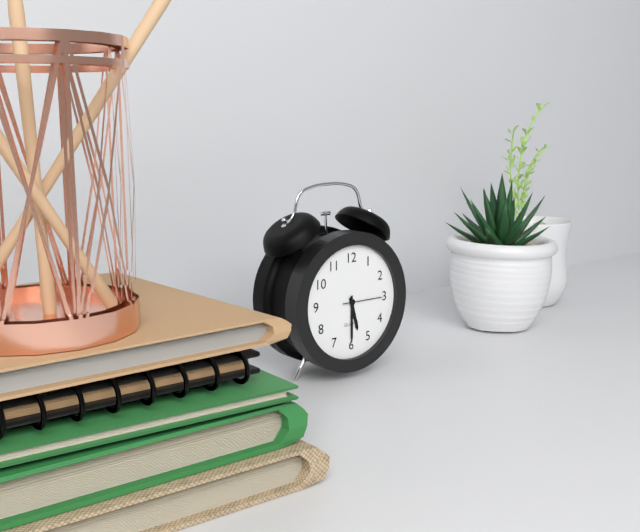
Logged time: 5:30
